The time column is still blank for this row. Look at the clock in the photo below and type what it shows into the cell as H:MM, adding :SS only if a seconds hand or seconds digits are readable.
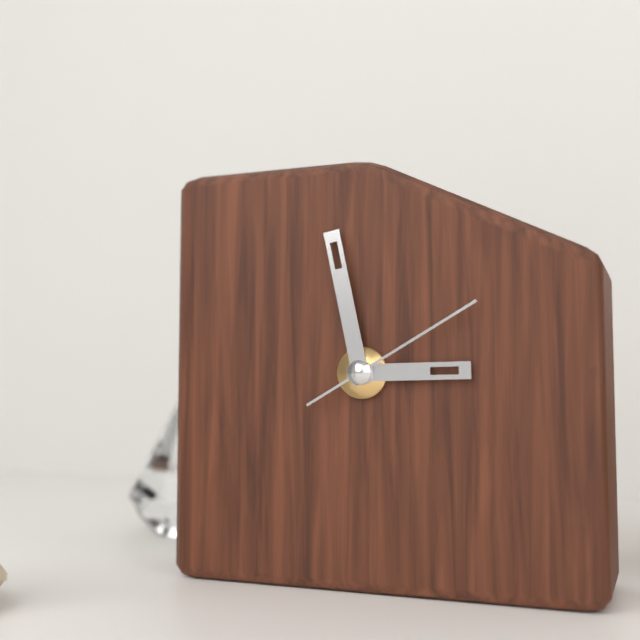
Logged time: 2:58:10
